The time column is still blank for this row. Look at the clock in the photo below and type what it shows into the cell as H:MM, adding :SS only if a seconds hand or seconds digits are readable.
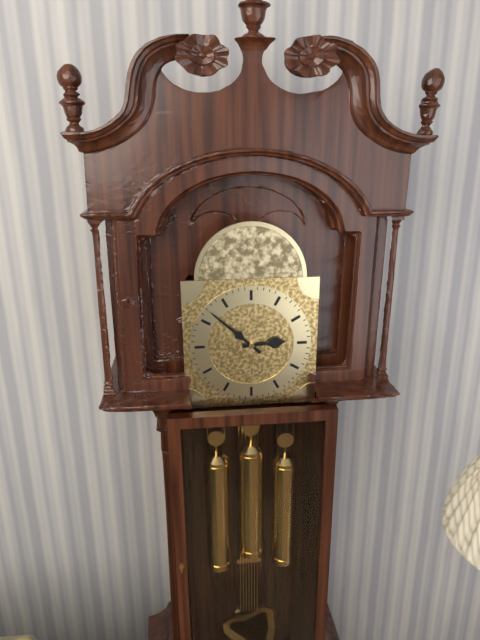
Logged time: 2:52
